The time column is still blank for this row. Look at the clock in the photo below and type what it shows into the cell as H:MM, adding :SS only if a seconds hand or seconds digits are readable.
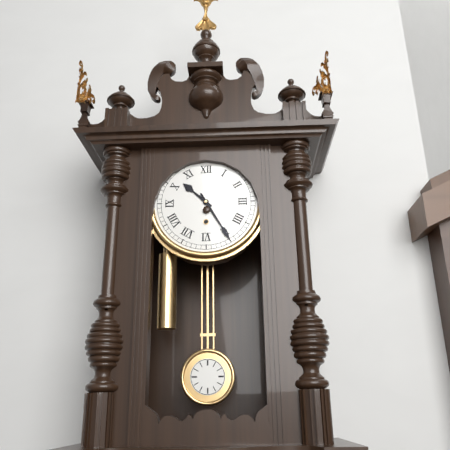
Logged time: 10:25
